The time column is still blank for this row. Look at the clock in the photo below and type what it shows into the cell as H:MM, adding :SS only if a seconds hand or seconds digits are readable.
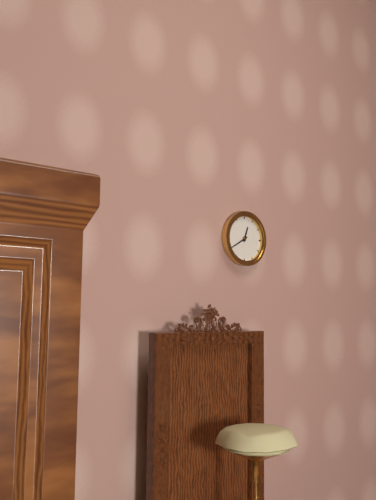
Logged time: 12:40
